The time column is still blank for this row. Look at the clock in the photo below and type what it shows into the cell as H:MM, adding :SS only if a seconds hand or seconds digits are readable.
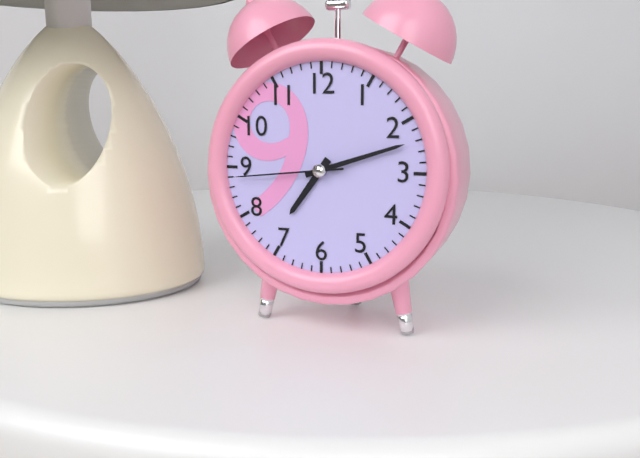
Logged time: 7:12:44
